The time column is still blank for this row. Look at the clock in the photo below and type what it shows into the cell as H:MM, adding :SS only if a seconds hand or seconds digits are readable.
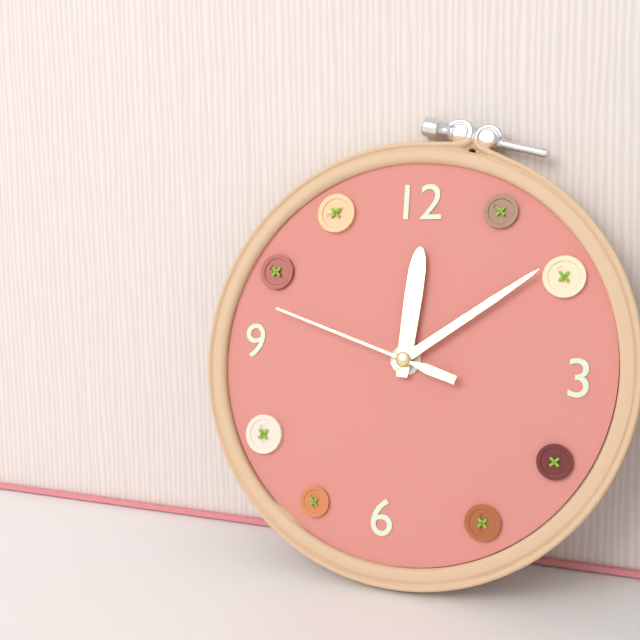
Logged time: 12:09:48
